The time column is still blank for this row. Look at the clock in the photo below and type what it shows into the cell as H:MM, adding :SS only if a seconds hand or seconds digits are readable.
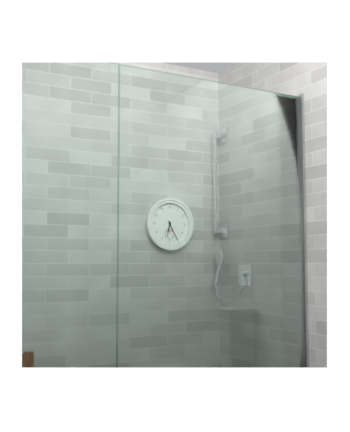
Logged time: 6:25
